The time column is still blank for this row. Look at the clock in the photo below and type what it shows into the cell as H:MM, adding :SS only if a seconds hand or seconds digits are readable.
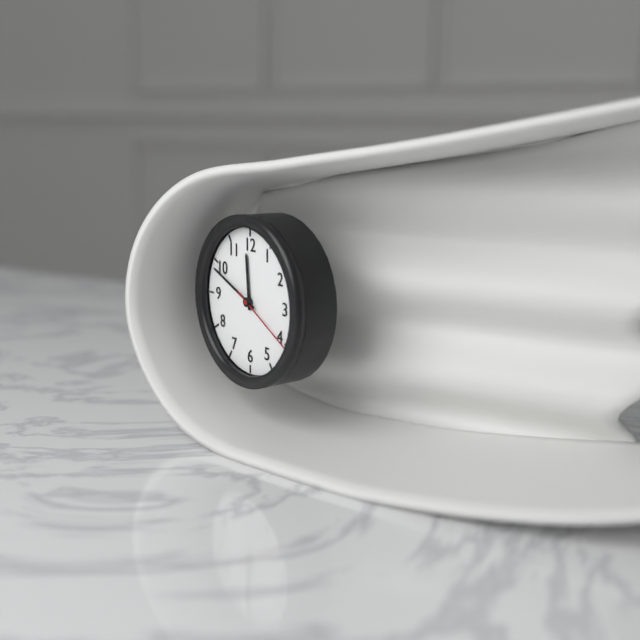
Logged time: 11:49:20
